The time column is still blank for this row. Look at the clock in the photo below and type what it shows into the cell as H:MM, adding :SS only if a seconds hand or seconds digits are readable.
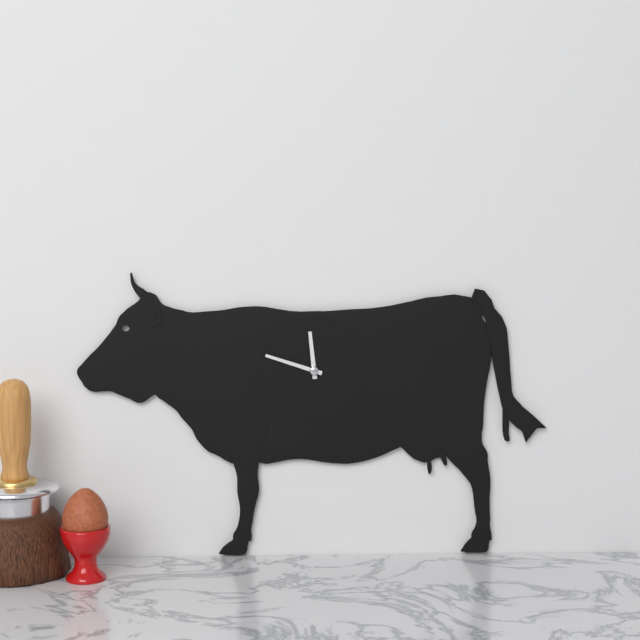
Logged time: 11:48
